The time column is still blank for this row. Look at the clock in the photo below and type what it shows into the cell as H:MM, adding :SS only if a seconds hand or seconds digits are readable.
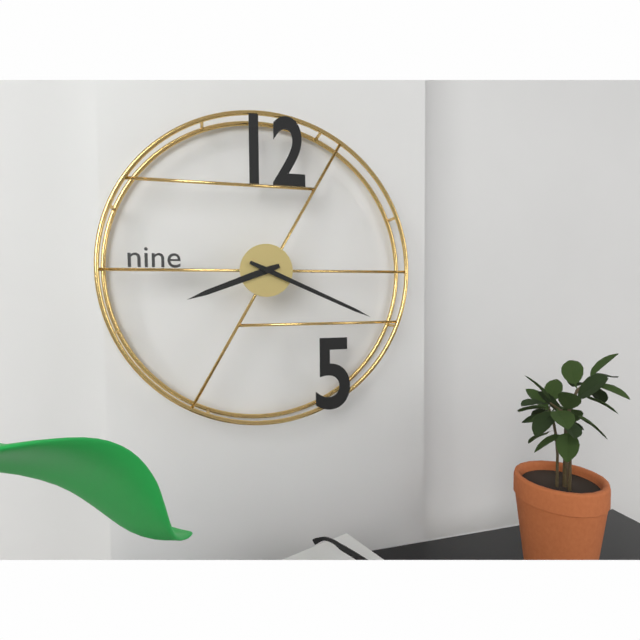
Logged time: 8:19
